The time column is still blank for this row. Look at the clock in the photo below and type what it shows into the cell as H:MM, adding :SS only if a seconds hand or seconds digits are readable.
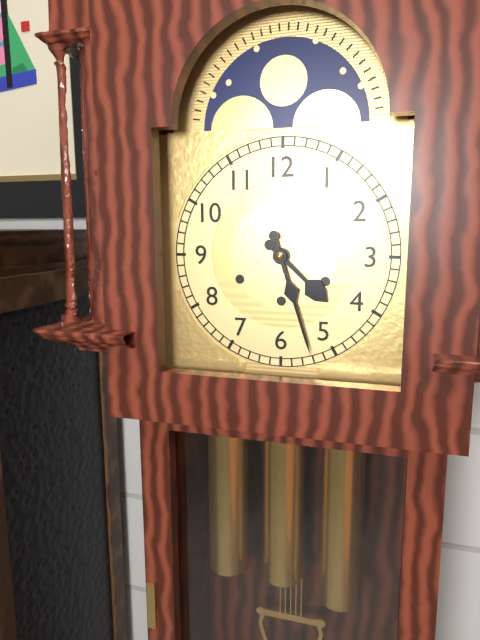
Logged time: 4:27
